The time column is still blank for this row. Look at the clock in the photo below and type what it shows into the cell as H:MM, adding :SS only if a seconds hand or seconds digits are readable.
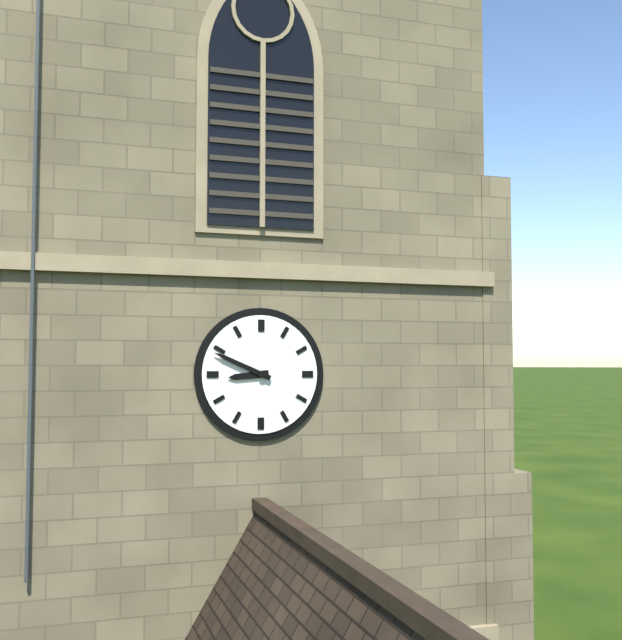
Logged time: 8:49
